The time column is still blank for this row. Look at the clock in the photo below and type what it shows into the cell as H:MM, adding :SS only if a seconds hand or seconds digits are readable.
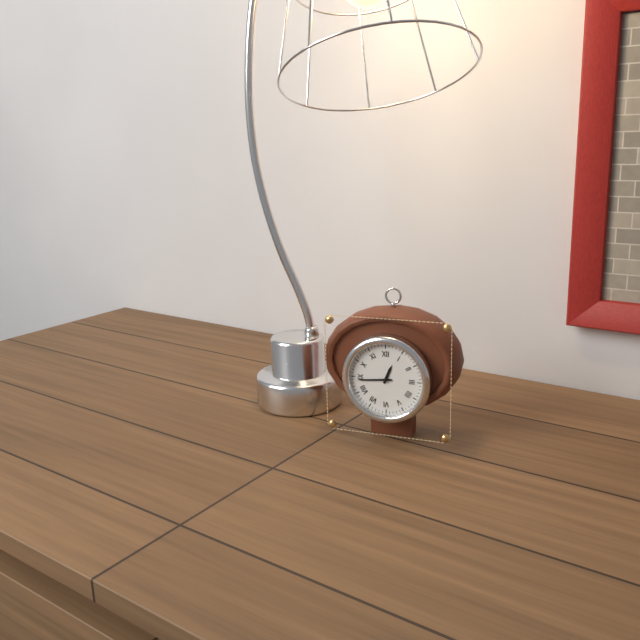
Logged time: 12:44
